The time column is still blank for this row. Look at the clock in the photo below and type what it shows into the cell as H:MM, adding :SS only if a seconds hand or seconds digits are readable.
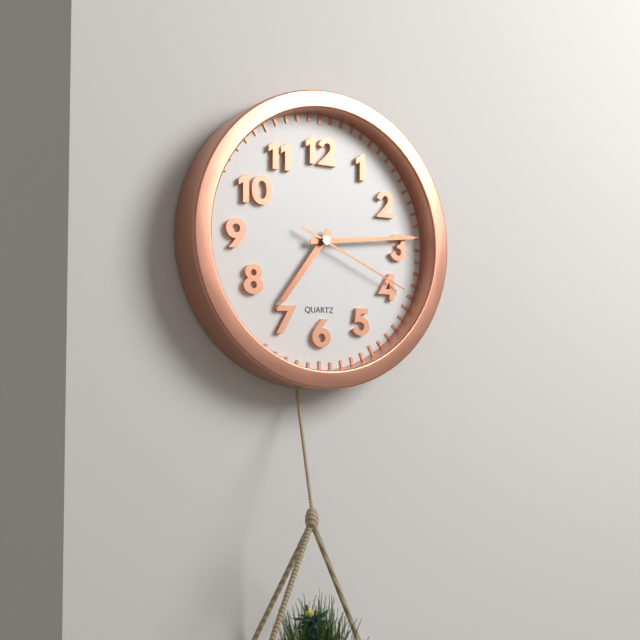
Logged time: 7:14:19
